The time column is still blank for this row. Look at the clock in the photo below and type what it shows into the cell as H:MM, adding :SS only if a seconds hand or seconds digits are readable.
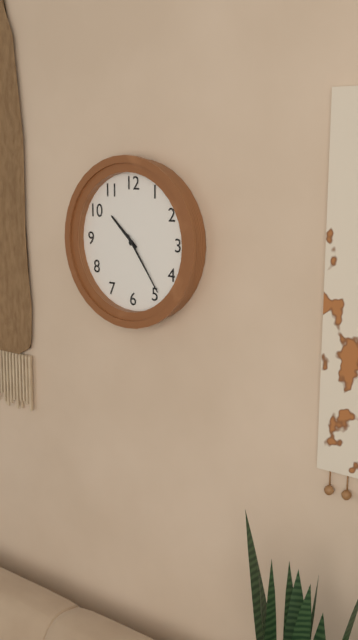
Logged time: 10:24
